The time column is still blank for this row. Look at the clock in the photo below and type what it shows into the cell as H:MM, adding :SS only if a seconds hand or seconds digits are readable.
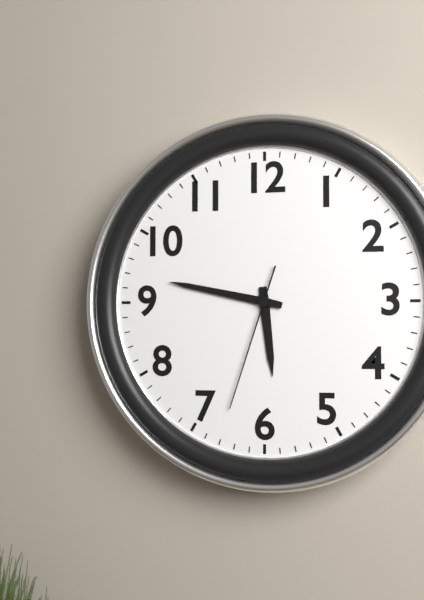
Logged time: 5:47:33
